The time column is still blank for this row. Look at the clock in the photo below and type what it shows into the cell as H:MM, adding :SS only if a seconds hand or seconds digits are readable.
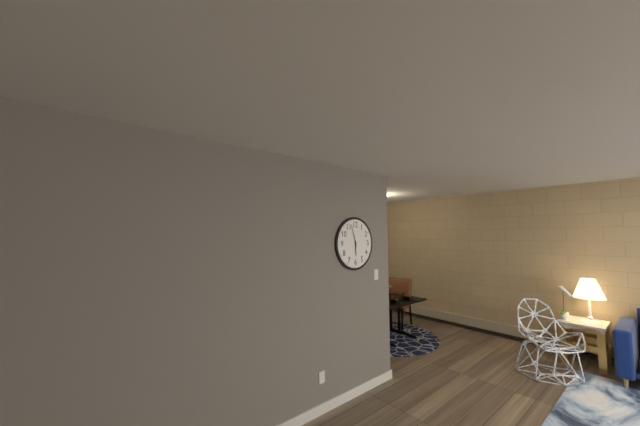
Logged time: 5:57
